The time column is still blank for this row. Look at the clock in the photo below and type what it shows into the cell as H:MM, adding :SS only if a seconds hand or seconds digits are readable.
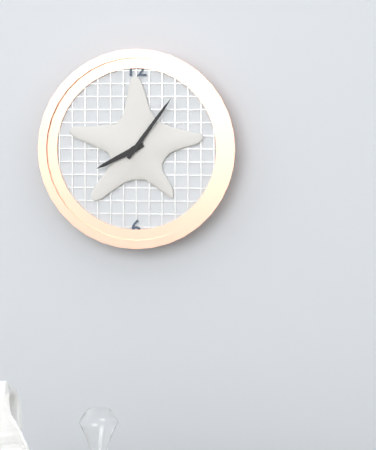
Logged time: 8:06
